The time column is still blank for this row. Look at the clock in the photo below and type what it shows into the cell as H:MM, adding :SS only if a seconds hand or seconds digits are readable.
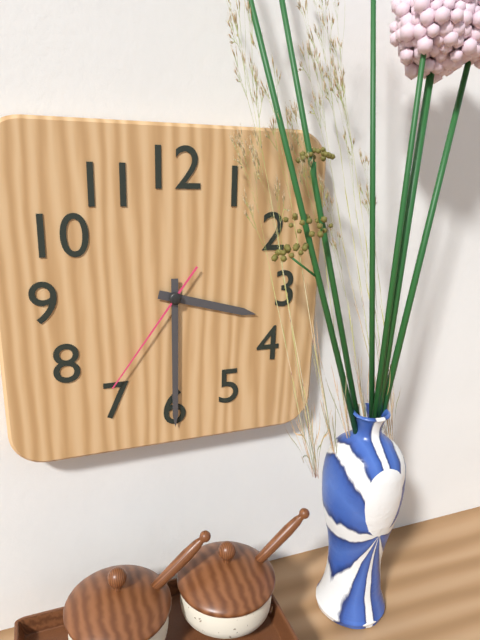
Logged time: 3:30:36
